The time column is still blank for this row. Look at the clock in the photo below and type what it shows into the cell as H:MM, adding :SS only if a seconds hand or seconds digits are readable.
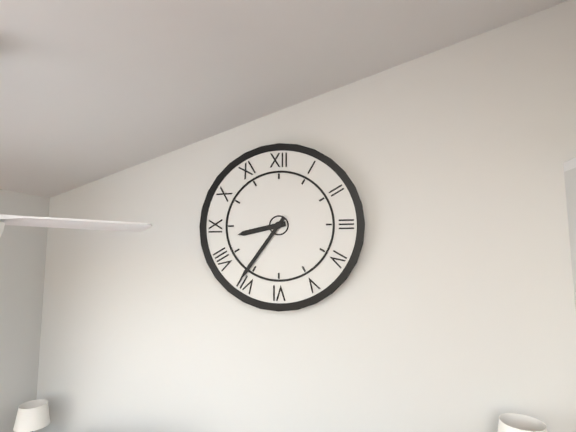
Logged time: 8:36
